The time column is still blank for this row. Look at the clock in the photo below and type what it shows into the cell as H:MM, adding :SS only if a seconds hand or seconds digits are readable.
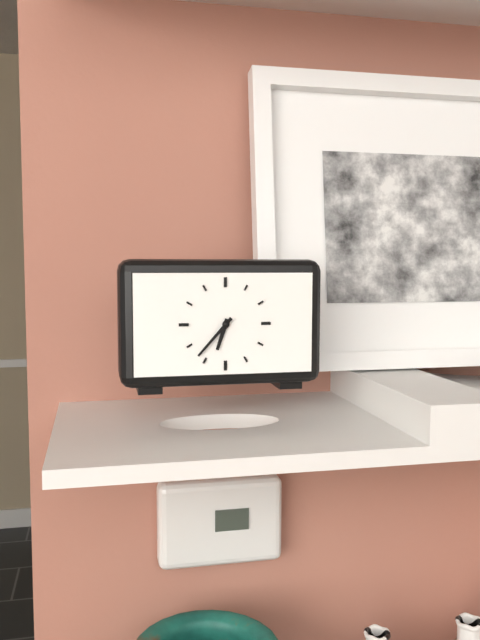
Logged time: 6:37
